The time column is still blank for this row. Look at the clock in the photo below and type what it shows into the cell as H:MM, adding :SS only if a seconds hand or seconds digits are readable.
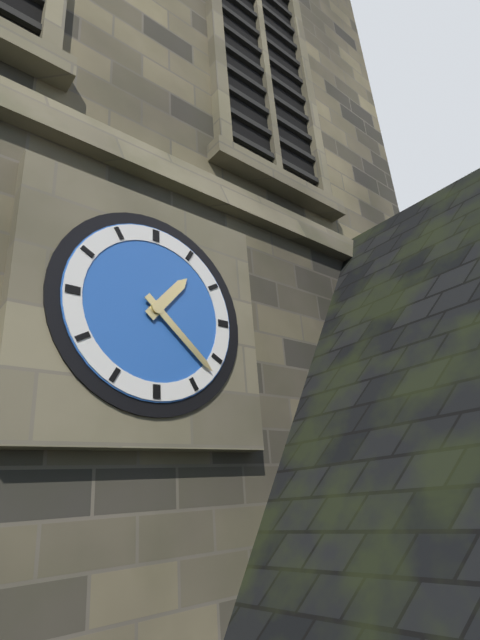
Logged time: 1:22
